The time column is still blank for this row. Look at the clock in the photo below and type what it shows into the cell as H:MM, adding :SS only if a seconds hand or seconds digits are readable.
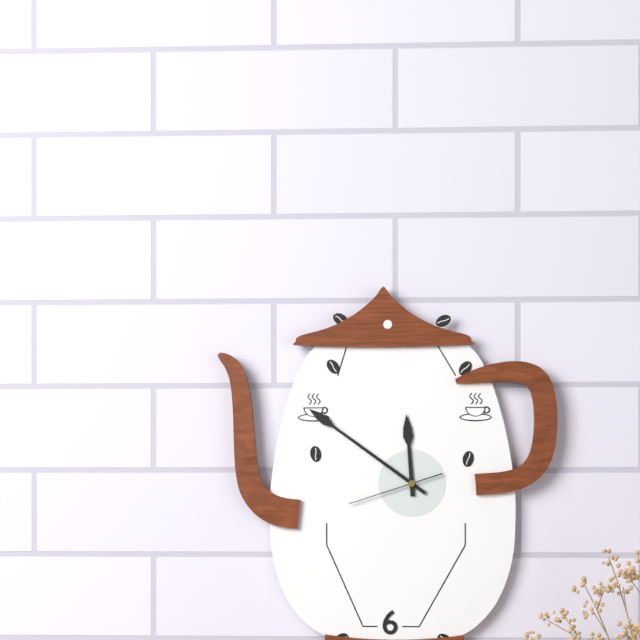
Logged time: 11:51:42
